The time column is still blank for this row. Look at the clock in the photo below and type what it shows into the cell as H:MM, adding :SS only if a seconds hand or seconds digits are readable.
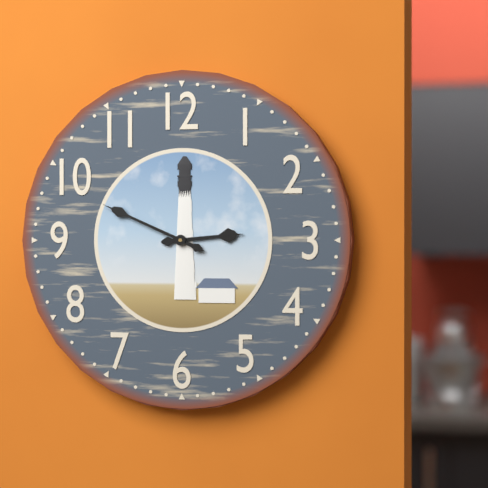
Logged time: 2:49
